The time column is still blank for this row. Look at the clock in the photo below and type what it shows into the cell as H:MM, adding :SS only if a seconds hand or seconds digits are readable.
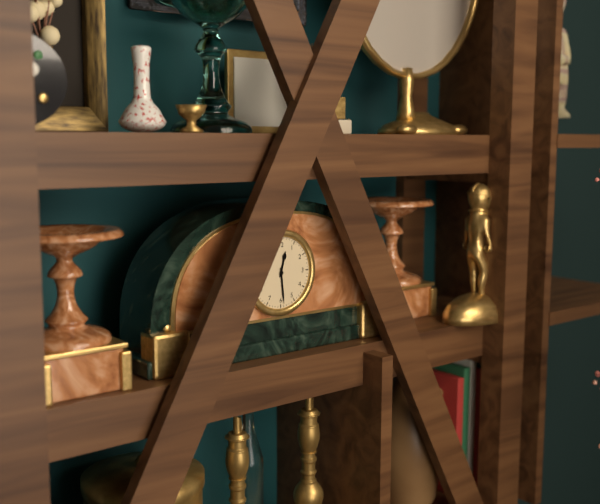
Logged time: 12:29
